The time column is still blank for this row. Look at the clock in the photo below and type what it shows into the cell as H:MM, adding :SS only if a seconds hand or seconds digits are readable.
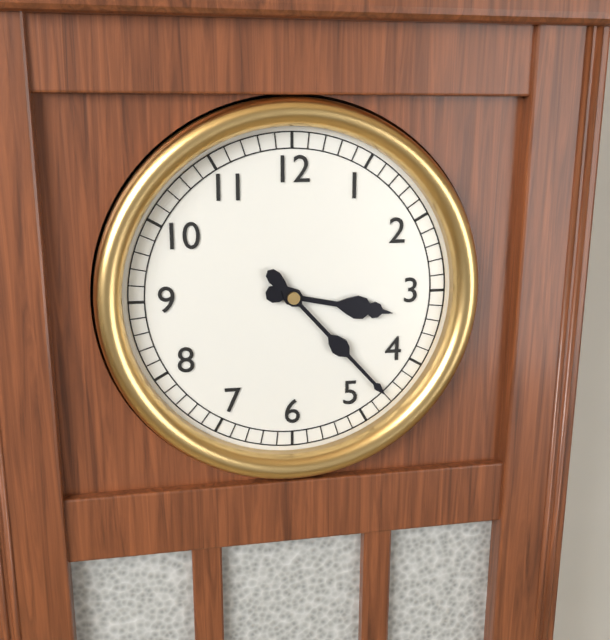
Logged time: 3:23
